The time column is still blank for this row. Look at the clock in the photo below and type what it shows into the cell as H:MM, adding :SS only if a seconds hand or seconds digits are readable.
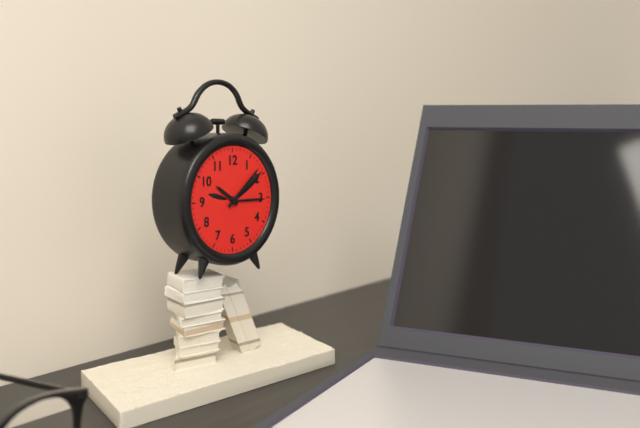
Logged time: 10:08
